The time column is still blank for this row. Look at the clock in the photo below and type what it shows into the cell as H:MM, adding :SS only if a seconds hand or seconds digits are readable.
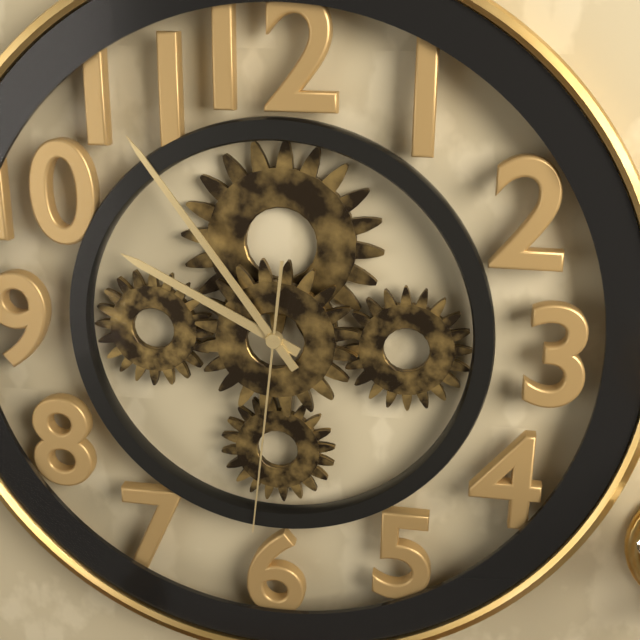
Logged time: 9:54:31
